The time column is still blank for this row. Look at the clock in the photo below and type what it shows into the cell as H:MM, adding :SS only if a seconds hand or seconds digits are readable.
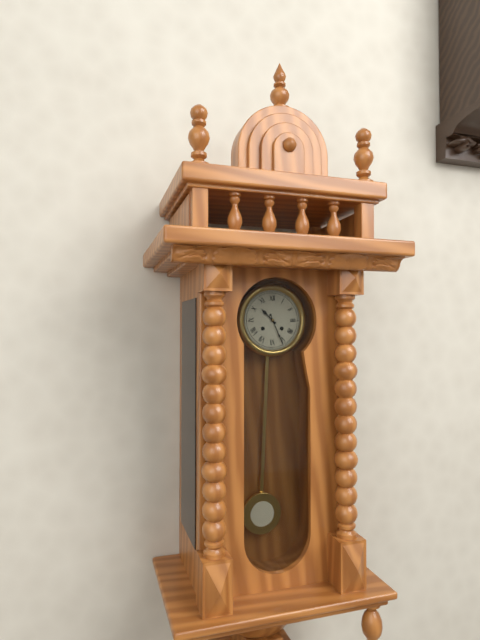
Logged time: 10:26
